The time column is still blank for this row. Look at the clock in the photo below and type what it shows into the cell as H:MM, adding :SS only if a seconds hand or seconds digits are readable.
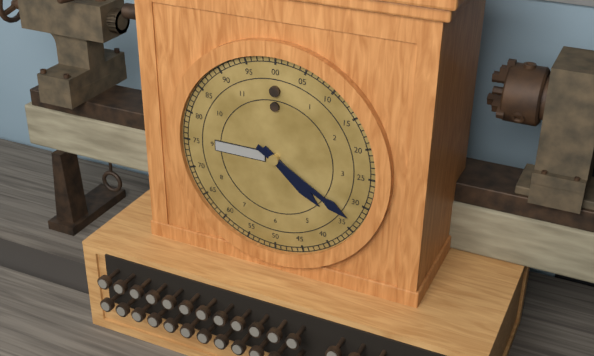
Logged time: 4:20
